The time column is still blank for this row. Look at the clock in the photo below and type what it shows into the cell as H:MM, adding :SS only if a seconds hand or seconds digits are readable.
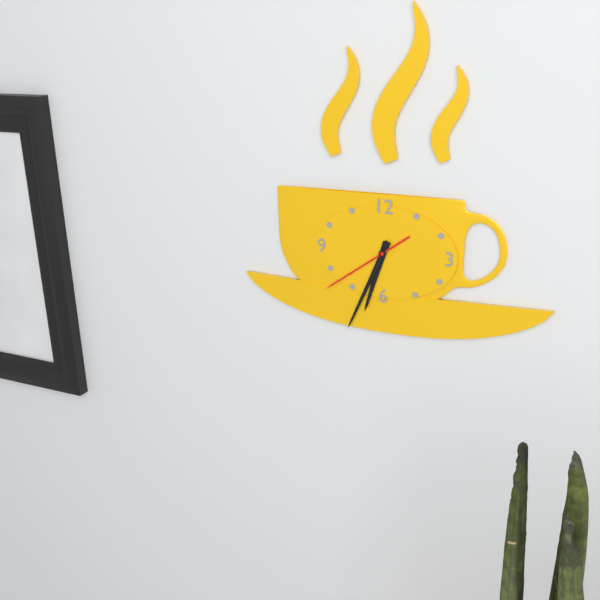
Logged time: 6:34:39
